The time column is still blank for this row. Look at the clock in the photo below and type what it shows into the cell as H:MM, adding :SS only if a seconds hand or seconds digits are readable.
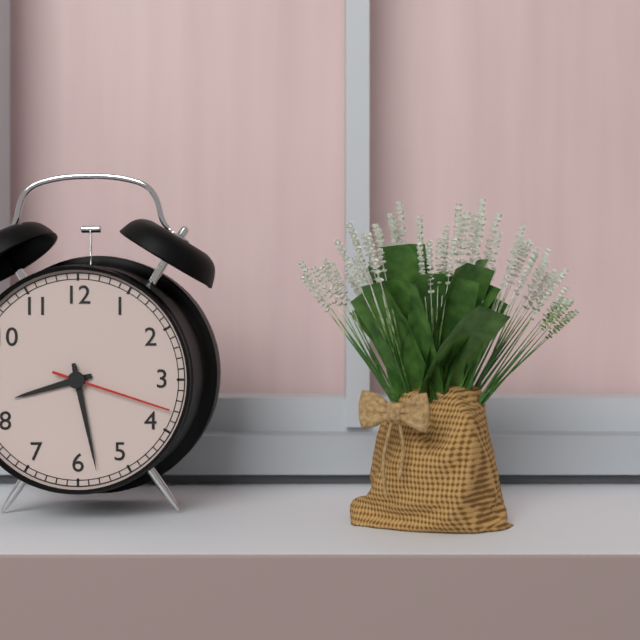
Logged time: 8:28:18
